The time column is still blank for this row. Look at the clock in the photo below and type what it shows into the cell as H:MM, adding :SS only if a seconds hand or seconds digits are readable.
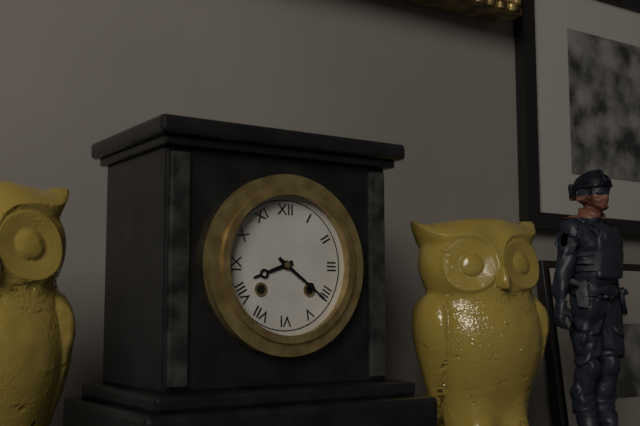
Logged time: 8:21
